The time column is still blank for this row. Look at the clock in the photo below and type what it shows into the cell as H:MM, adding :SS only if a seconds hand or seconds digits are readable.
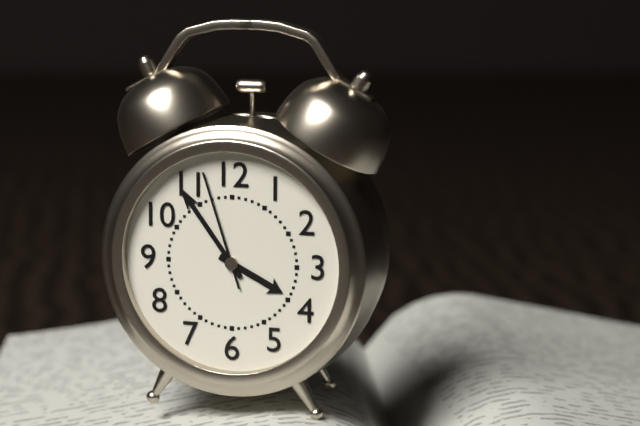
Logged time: 3:54:57
